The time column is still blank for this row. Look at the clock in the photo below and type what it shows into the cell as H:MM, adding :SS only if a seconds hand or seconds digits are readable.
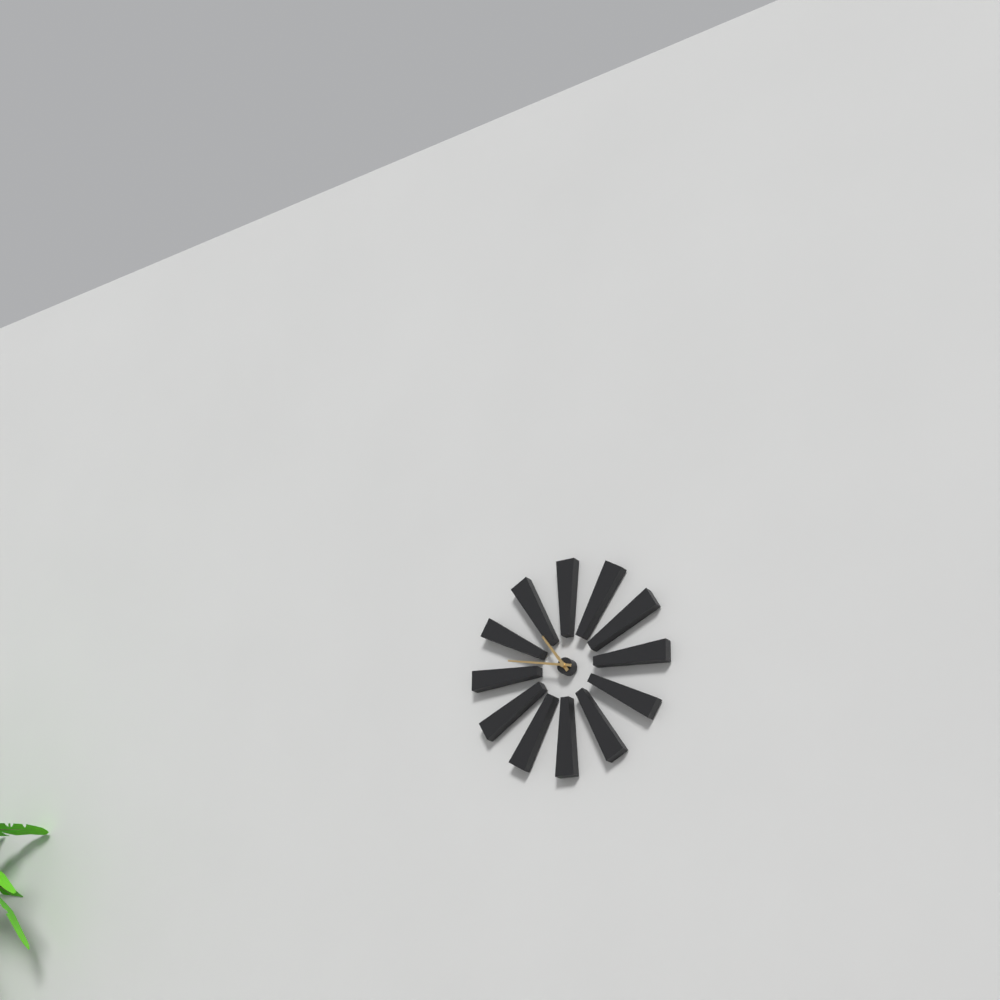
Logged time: 10:47
